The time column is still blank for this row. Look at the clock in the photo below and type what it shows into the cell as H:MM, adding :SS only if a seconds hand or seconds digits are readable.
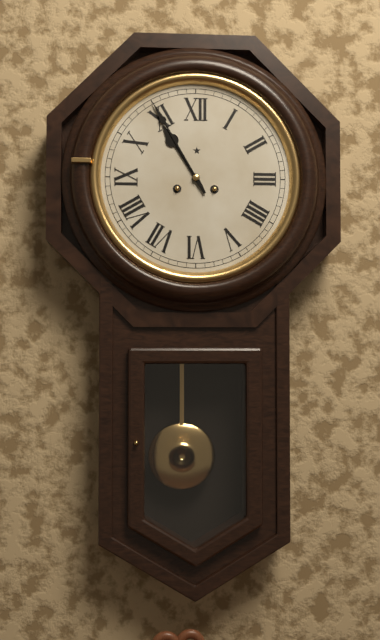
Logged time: 10:55
